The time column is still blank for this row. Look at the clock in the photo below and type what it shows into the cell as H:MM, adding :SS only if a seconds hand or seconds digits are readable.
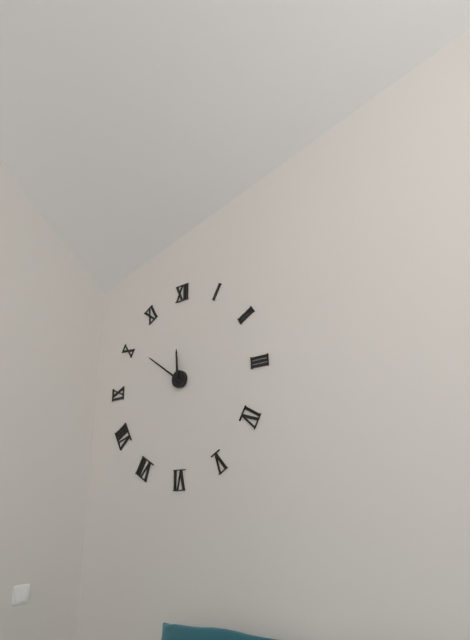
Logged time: 11:51
